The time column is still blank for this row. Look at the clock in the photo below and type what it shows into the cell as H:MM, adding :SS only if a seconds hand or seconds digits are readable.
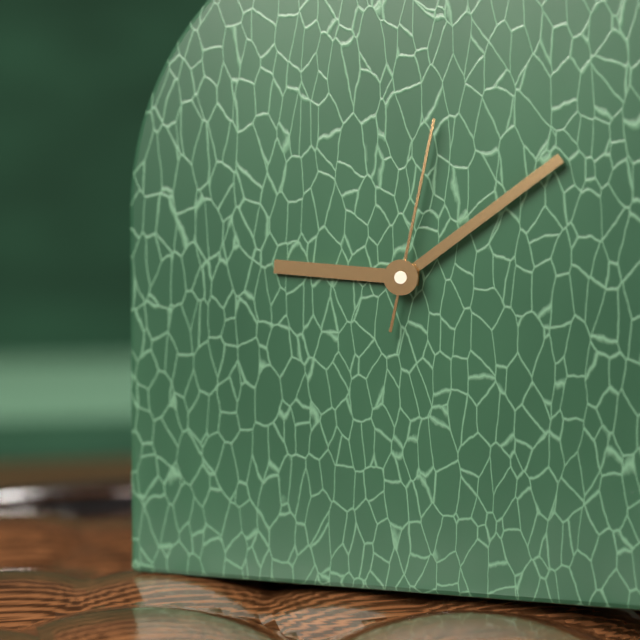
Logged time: 9:09:02
